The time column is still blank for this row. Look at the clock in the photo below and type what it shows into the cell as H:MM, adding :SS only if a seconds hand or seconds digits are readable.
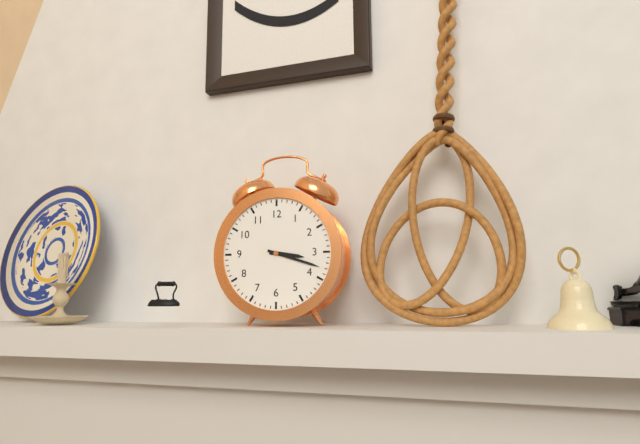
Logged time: 3:18
